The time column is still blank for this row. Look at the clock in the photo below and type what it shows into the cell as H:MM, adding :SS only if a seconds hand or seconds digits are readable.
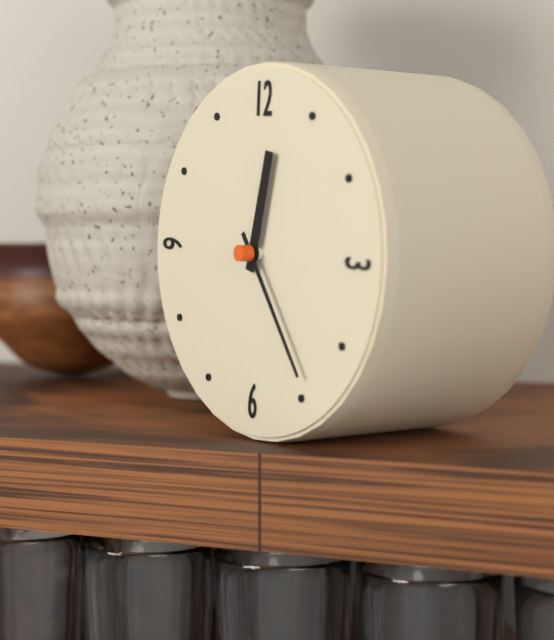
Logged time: 12:24
